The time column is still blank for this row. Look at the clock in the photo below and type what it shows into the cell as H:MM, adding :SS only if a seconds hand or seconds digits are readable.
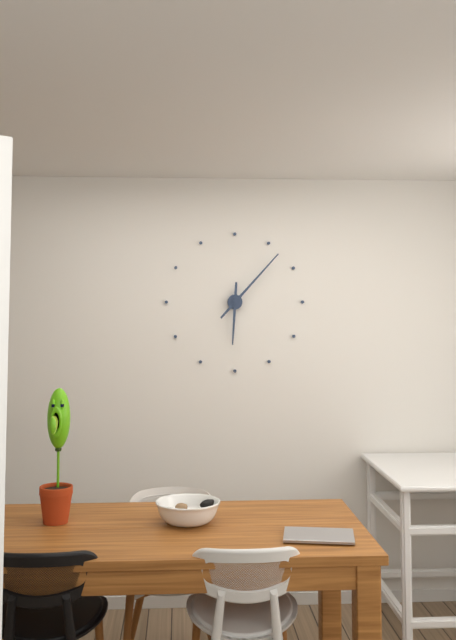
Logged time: 6:07
